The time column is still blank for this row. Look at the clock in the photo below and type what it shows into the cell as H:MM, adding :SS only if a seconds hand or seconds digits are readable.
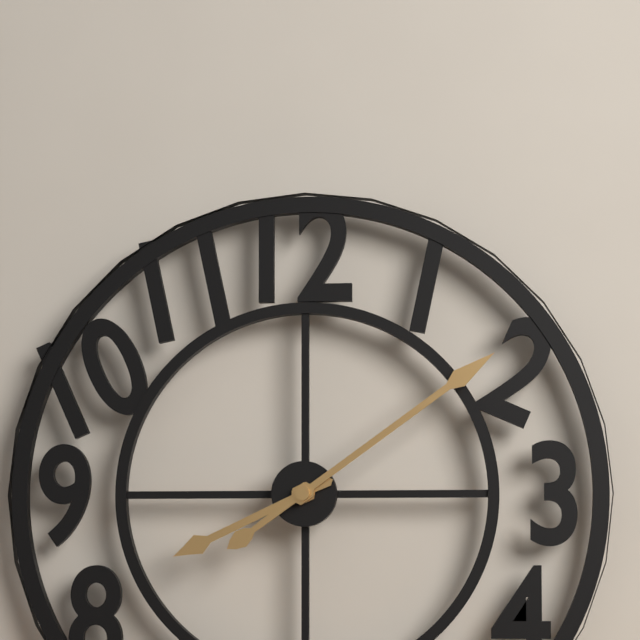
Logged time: 8:09
